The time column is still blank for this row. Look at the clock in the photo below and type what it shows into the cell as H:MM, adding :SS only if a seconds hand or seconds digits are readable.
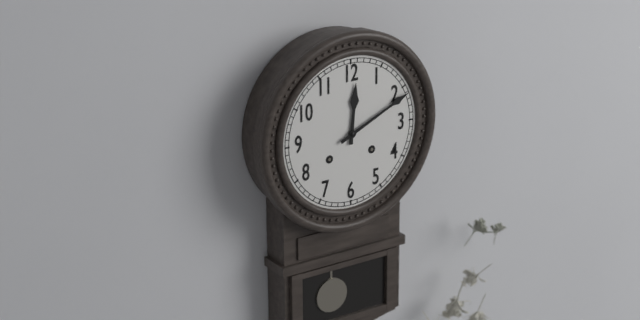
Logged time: 12:11
